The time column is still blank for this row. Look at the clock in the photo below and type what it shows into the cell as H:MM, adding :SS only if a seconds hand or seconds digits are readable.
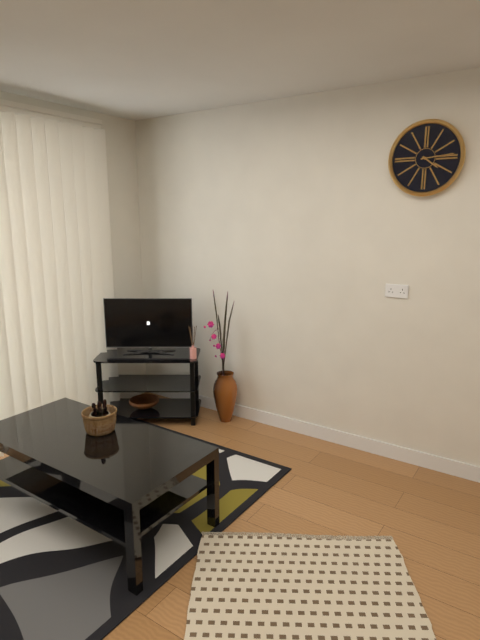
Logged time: 4:14
